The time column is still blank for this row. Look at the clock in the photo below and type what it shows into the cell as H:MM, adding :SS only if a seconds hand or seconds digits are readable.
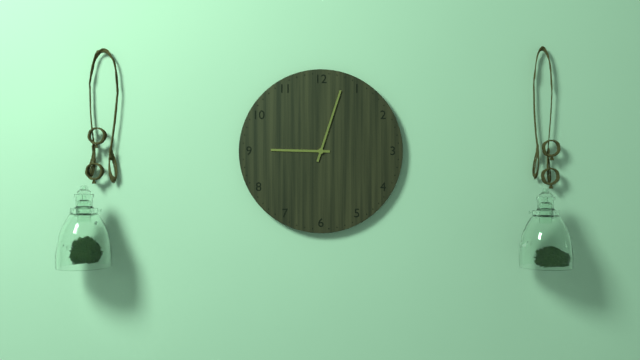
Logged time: 9:03
